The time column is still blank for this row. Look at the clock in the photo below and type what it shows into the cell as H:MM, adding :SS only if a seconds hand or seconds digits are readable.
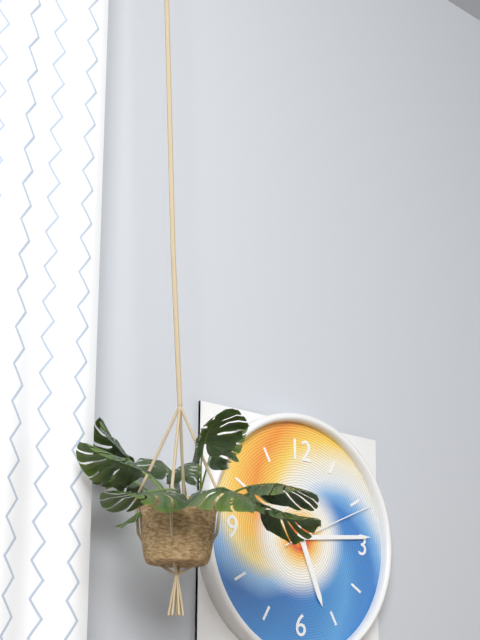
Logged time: 5:14:11
